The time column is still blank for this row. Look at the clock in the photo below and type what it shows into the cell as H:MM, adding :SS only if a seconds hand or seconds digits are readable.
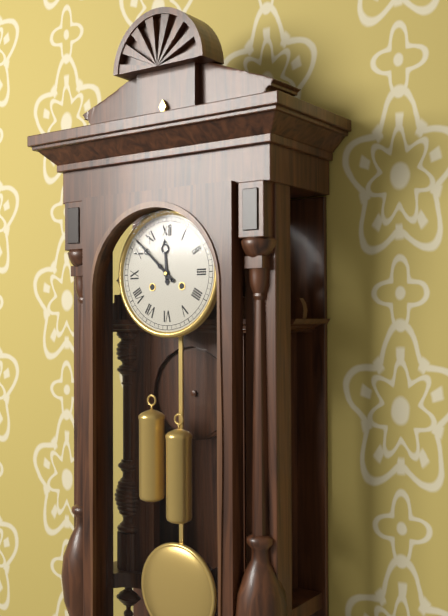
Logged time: 11:52
